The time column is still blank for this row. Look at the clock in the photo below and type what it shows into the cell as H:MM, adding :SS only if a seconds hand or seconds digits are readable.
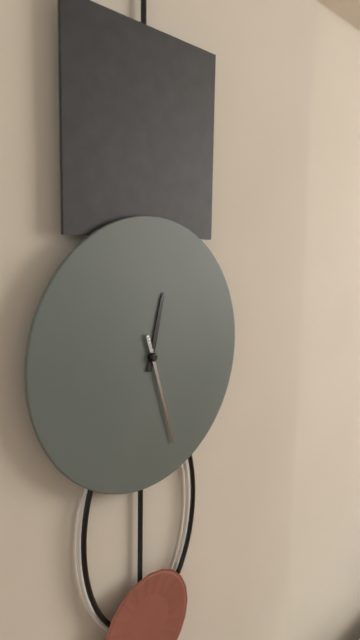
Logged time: 12:27
